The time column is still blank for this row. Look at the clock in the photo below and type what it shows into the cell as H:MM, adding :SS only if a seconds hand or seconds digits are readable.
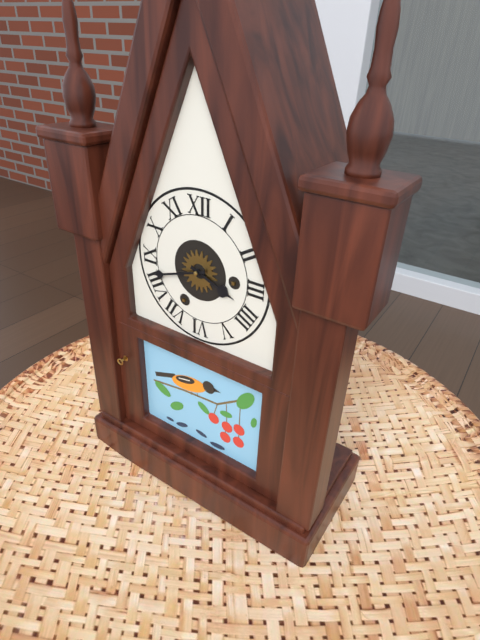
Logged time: 3:42
